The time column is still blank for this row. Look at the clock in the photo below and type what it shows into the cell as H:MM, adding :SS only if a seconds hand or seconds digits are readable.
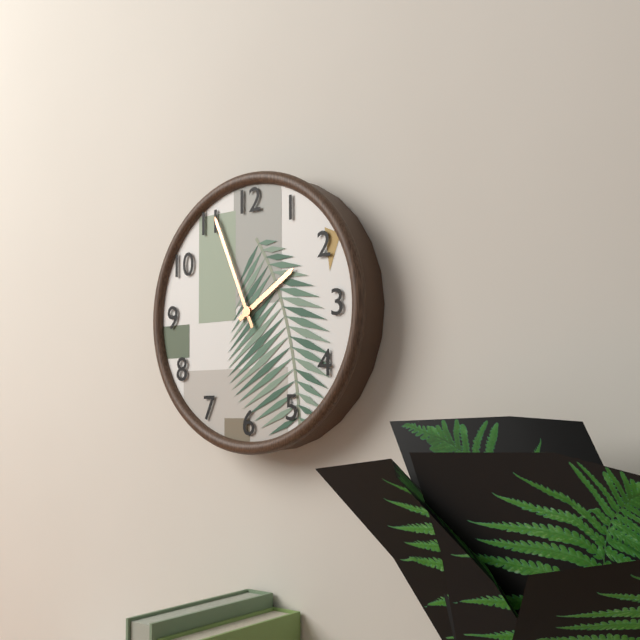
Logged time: 1:56
